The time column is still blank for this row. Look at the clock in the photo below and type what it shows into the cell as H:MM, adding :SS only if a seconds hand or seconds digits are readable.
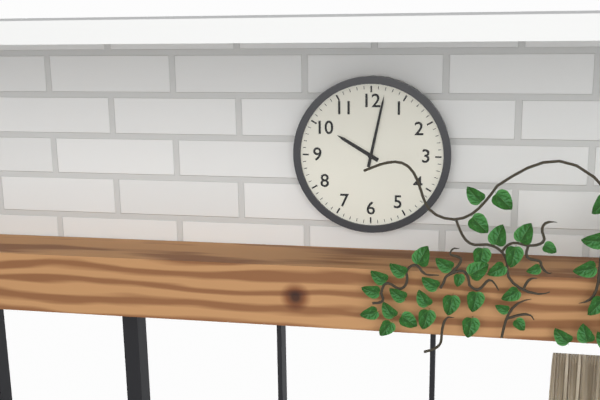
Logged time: 10:02
